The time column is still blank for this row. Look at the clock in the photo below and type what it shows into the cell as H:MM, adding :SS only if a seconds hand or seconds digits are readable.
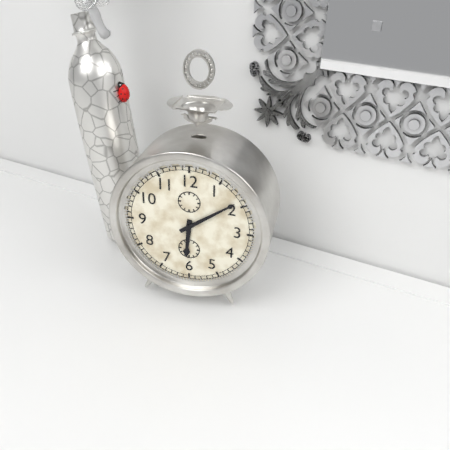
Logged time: 6:09
